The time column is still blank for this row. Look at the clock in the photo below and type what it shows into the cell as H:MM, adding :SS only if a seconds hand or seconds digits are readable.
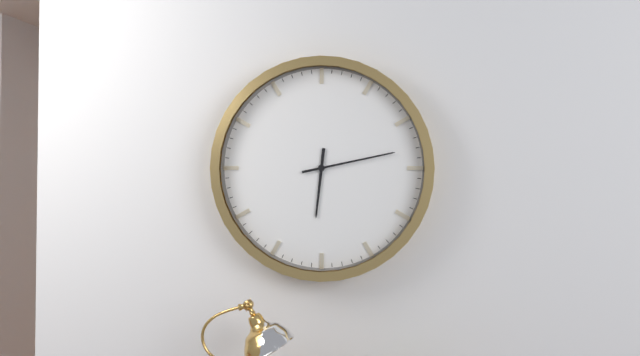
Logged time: 6:13
